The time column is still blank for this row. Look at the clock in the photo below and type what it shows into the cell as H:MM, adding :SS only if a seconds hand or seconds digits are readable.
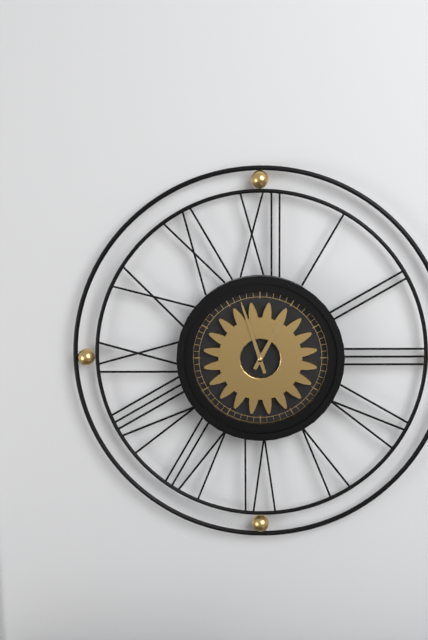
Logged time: 12:57
